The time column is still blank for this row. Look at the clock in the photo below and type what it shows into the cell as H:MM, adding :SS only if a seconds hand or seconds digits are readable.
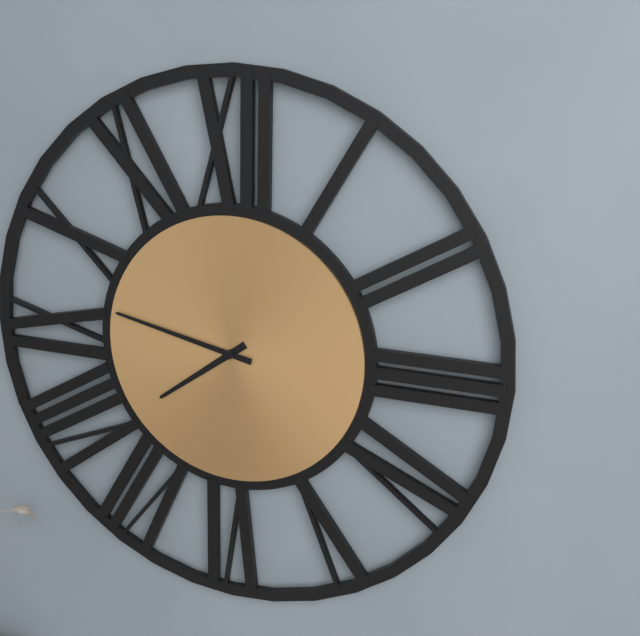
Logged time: 7:47
